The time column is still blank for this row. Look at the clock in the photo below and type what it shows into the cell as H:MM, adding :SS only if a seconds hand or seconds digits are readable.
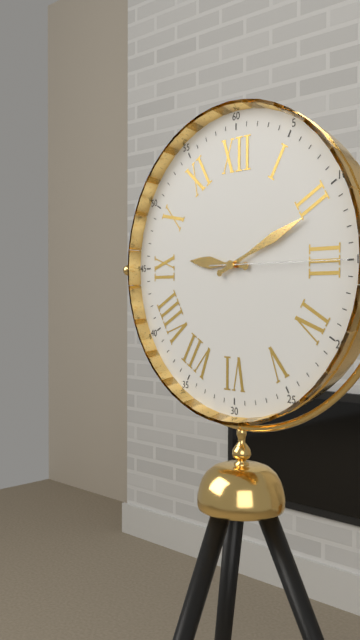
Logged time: 9:11:15
